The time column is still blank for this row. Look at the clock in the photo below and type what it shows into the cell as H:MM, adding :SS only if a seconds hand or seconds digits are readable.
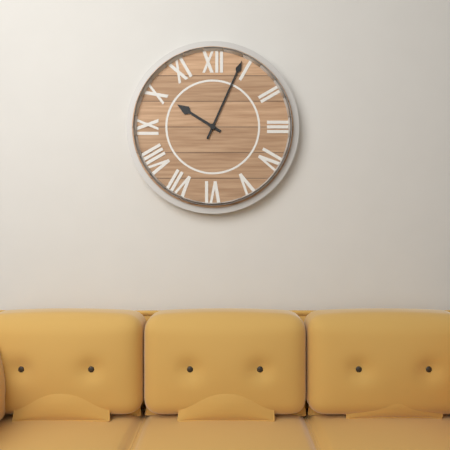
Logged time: 10:04
